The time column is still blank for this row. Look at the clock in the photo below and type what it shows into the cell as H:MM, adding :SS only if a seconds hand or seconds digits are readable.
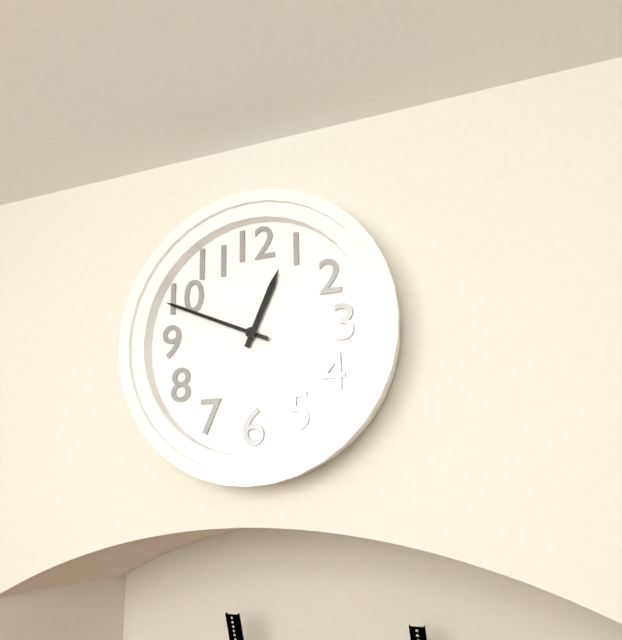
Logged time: 12:49
